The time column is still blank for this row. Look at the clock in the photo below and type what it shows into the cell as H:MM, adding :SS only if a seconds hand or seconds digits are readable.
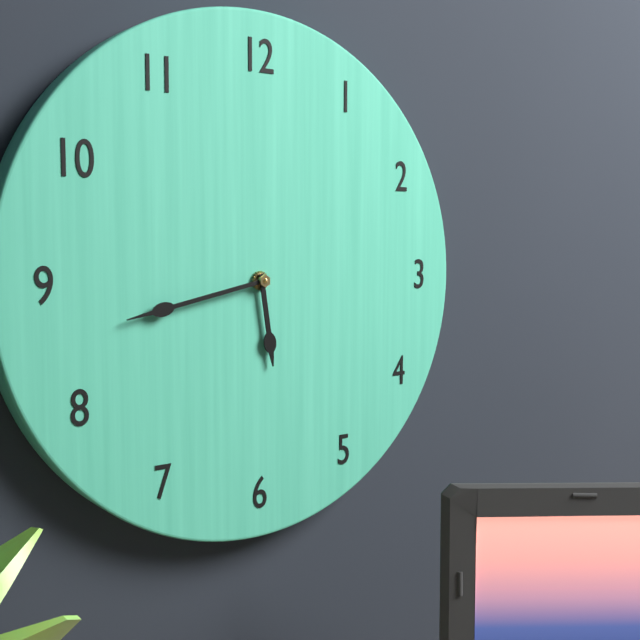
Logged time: 5:43
